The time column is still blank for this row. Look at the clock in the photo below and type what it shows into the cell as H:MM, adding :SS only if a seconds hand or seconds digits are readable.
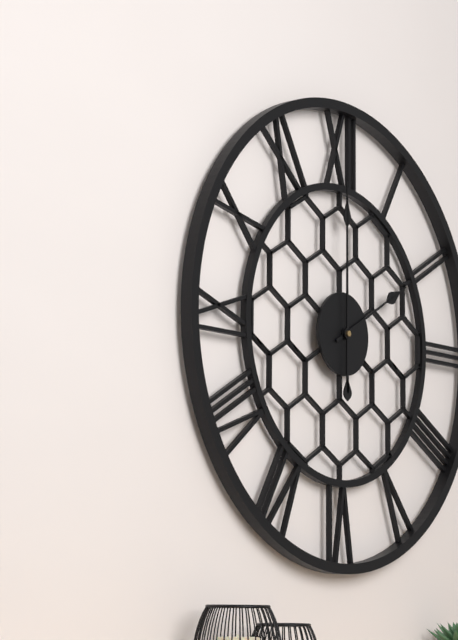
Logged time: 2:00
